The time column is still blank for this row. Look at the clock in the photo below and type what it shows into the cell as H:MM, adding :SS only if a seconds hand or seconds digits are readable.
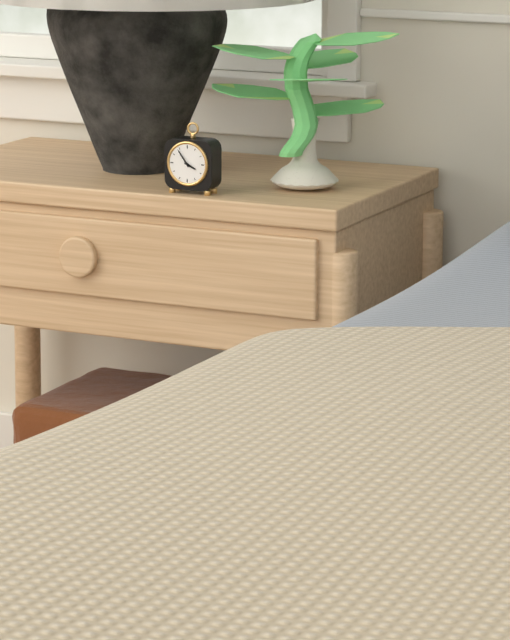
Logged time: 3:54
